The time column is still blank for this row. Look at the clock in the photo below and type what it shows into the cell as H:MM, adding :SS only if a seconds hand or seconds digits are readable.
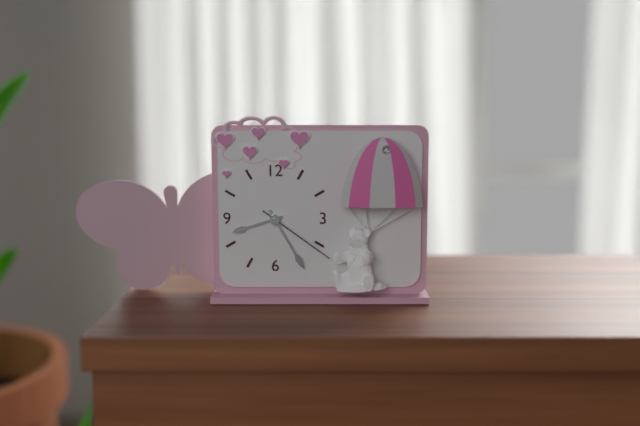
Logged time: 8:25:21
